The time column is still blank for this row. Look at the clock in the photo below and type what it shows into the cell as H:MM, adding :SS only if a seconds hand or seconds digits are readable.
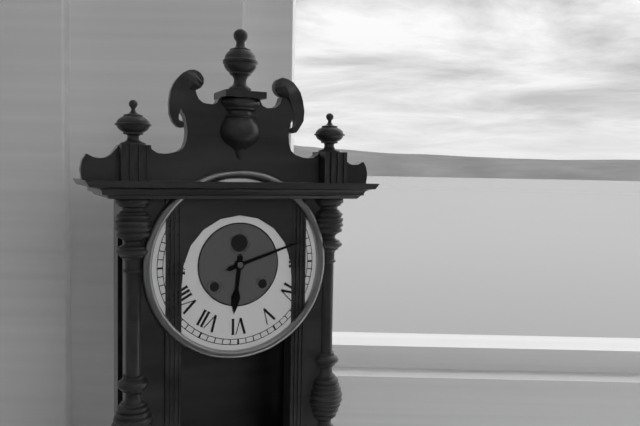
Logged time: 6:12
